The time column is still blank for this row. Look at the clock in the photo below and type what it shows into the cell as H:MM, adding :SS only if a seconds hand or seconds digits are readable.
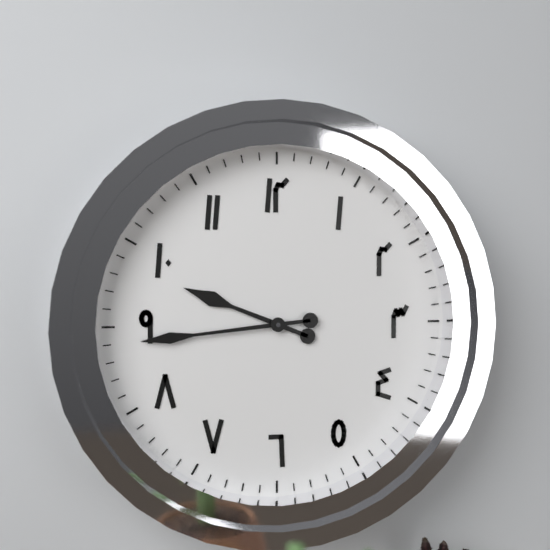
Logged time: 9:44
